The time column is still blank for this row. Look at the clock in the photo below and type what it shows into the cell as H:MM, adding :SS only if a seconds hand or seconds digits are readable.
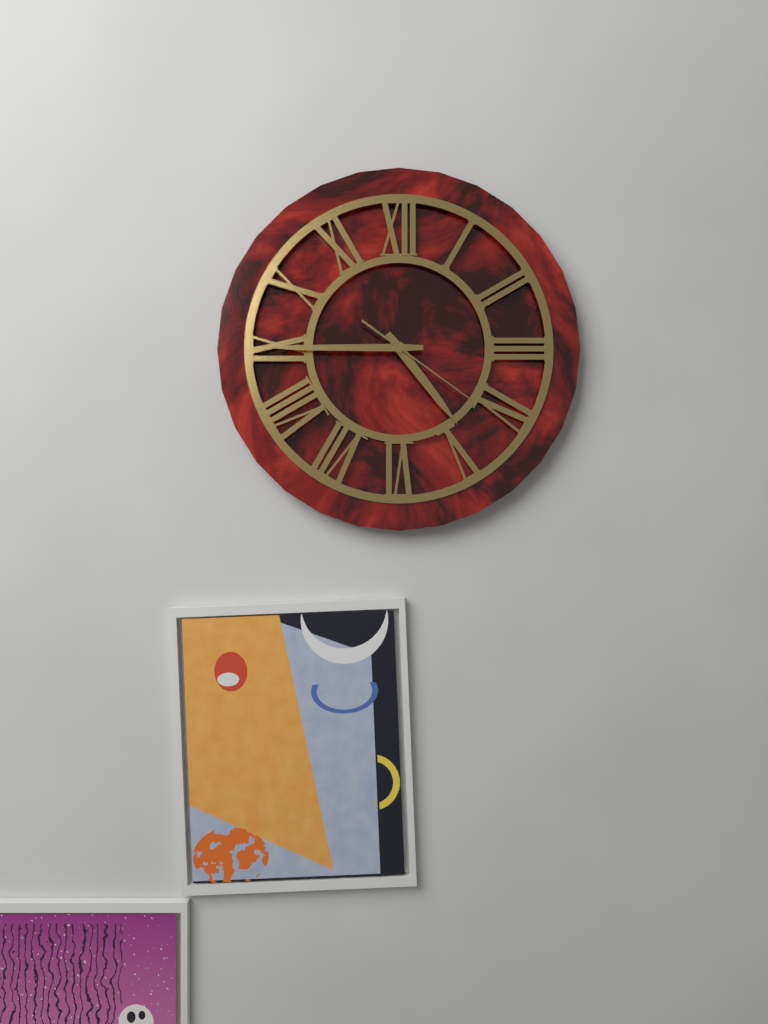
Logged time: 4:45:21
